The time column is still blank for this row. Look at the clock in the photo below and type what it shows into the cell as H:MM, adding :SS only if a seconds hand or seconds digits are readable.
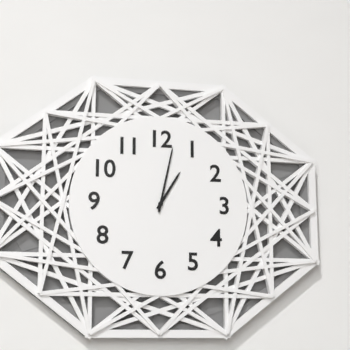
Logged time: 1:02
